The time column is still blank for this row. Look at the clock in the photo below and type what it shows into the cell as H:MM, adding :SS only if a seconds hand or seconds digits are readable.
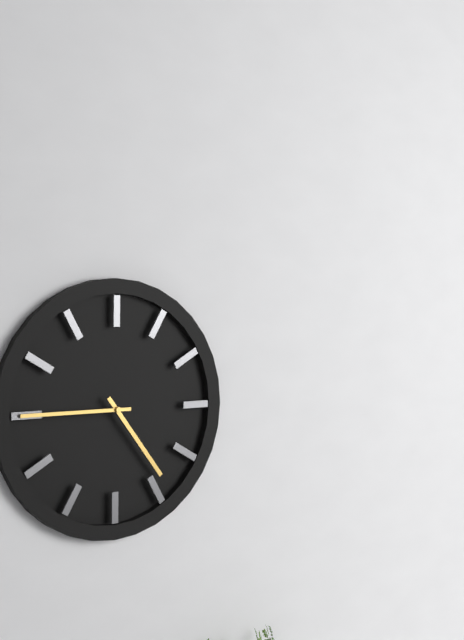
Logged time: 4:45
